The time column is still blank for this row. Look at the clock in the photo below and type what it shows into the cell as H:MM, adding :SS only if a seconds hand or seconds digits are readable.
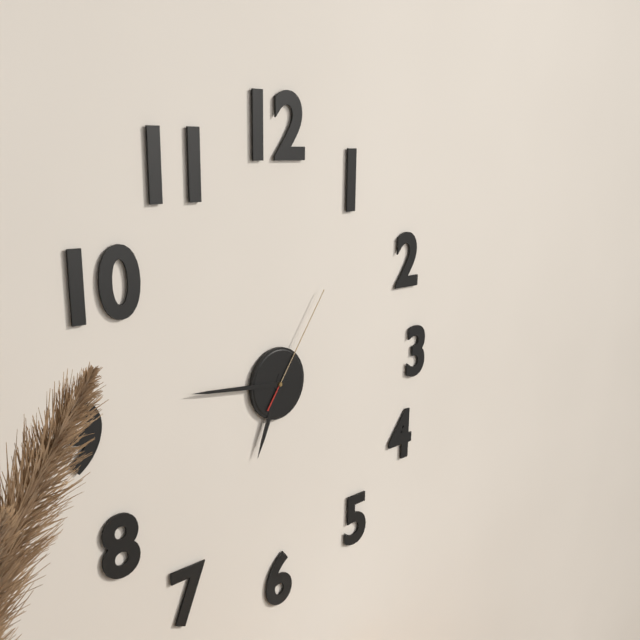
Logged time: 6:46:06
